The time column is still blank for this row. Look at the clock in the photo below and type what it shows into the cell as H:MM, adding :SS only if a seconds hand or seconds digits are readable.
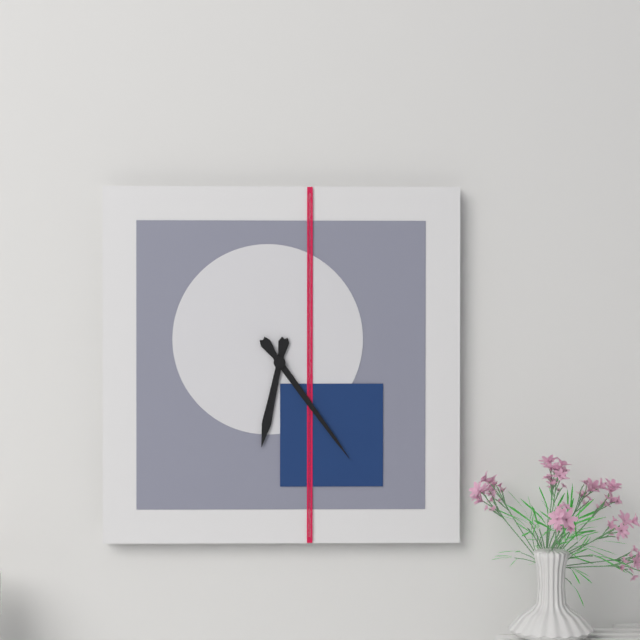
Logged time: 6:24
